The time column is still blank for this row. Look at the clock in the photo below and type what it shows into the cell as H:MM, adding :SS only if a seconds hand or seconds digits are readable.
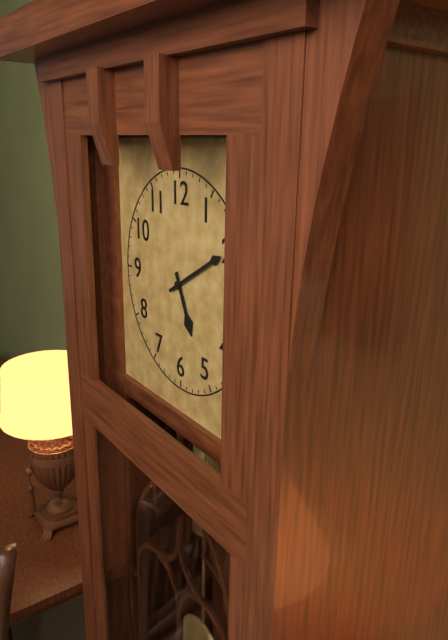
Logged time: 5:10
